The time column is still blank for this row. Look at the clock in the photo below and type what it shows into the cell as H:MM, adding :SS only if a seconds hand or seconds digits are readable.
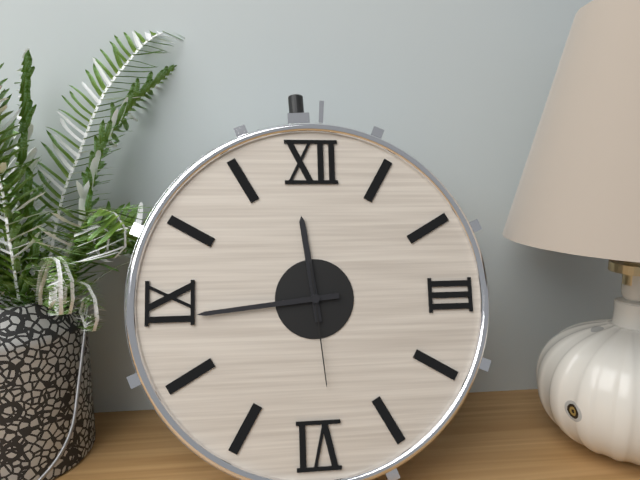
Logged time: 11:44:29
